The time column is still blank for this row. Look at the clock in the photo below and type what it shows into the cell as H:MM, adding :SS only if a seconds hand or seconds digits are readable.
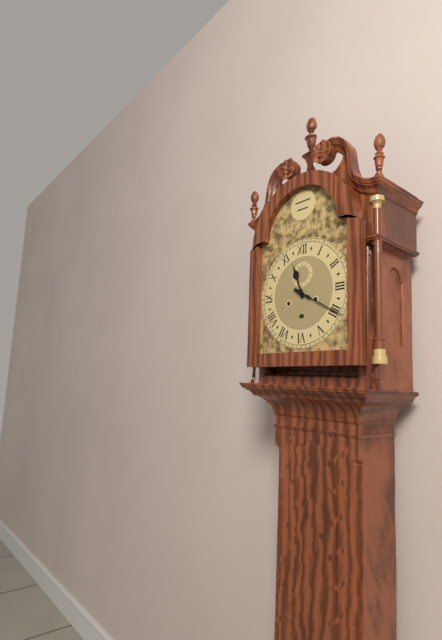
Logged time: 11:20
